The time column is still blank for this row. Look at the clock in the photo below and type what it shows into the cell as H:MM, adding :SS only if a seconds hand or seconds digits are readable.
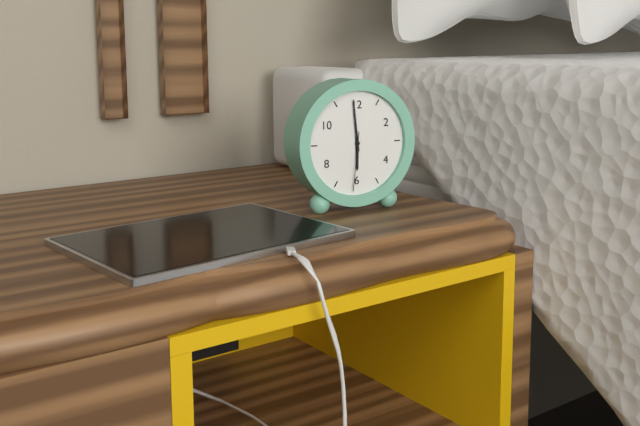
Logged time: 5:59:31
